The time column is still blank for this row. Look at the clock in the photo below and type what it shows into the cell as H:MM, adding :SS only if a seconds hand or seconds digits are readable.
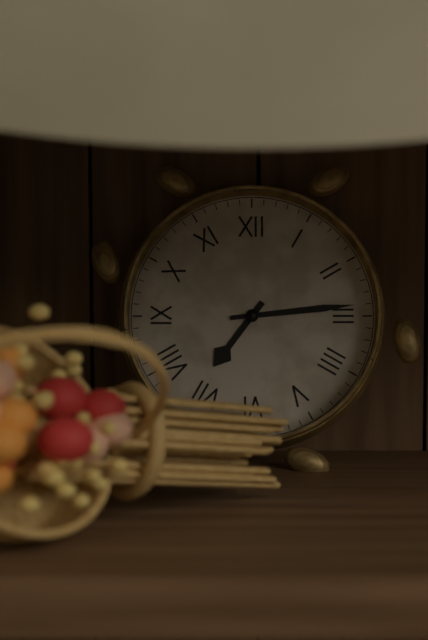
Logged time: 7:14
